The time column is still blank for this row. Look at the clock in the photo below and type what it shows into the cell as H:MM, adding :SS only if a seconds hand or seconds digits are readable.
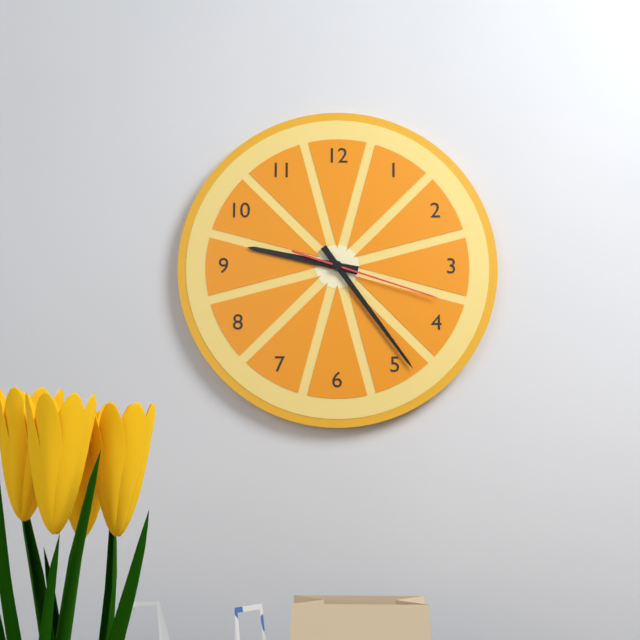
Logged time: 9:24:18
